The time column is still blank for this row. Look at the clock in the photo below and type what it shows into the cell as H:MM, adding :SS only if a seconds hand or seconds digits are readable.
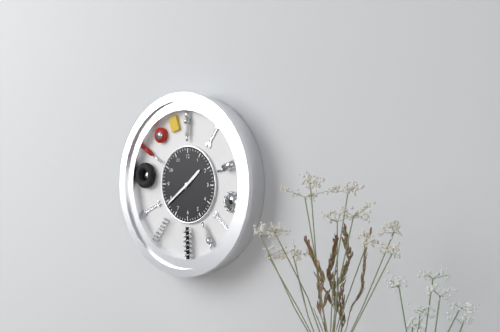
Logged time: 1:39
